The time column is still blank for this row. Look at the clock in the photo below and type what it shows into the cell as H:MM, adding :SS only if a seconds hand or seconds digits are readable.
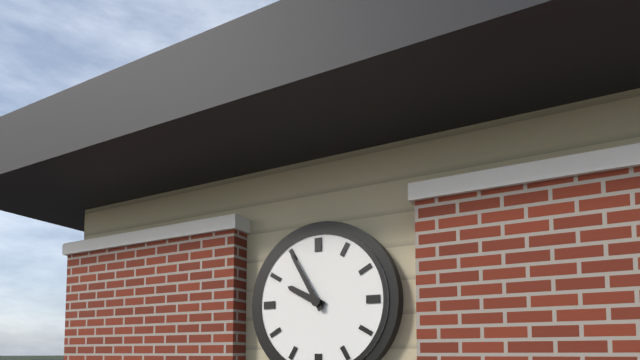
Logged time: 9:55
